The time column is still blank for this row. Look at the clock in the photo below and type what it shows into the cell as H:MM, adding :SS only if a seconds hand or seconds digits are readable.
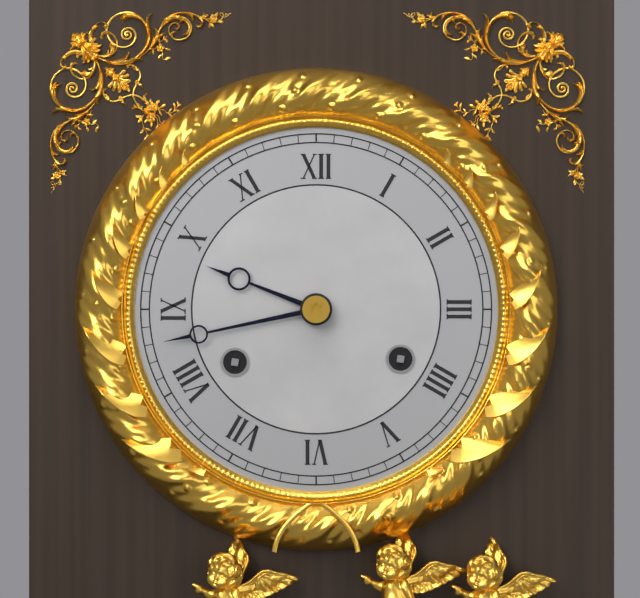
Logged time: 9:43
